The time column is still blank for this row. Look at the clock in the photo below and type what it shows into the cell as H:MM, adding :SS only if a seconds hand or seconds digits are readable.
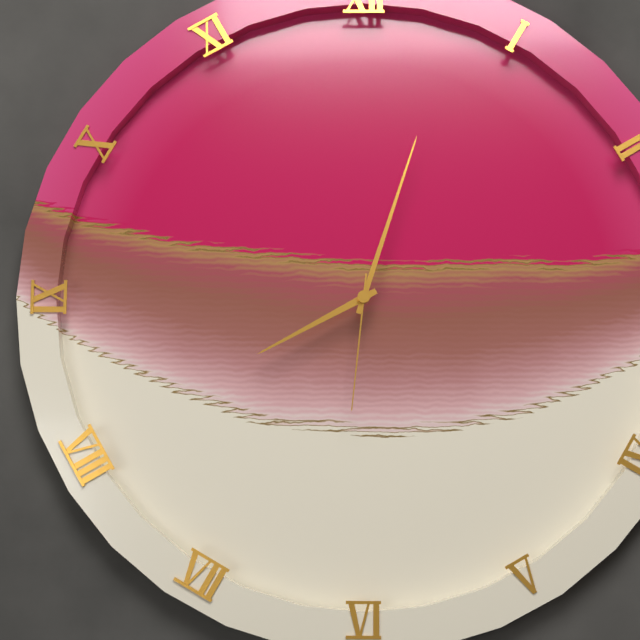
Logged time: 8:03:31
